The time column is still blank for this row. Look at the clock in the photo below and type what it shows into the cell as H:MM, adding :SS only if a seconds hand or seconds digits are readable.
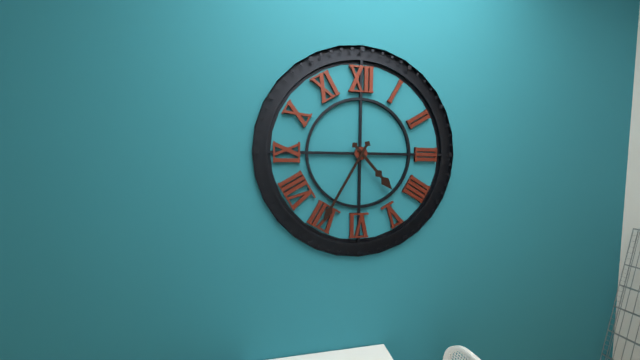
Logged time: 4:35
